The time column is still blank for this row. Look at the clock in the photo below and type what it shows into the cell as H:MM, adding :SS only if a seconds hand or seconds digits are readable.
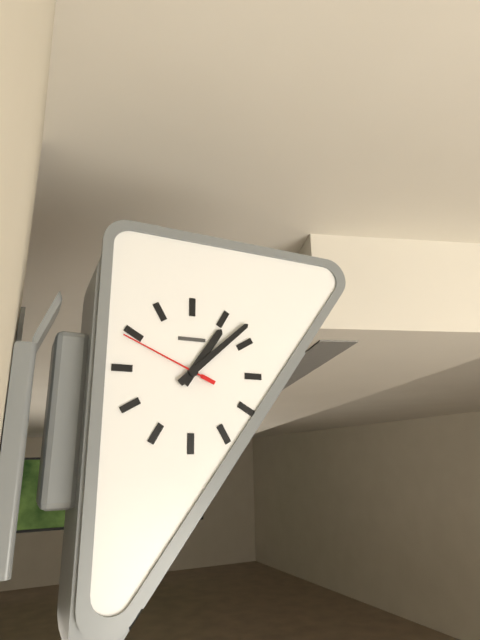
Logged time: 1:08:49
